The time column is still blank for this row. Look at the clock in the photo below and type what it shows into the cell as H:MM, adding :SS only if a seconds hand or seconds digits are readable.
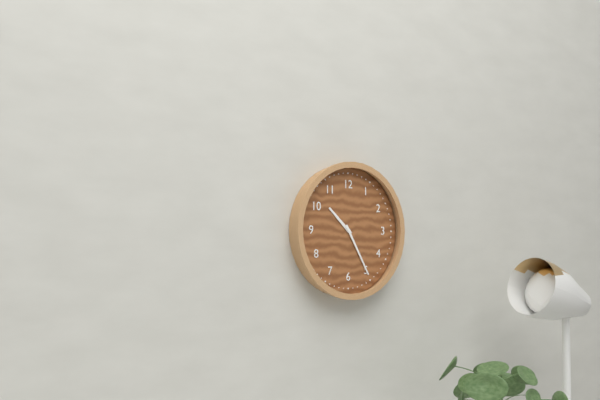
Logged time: 10:25
